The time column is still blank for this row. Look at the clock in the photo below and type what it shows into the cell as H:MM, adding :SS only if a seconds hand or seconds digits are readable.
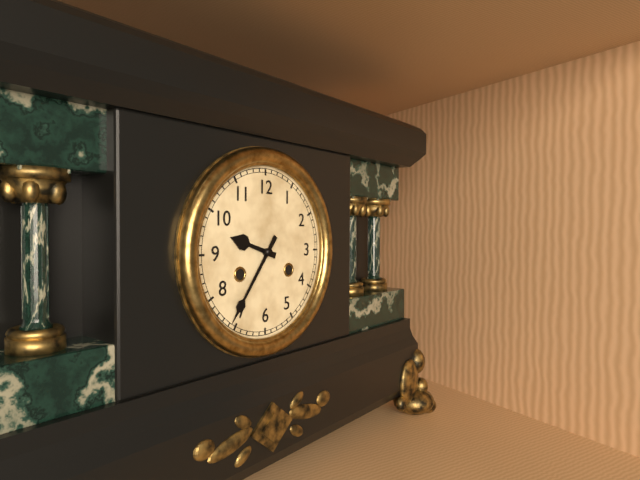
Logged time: 9:36
